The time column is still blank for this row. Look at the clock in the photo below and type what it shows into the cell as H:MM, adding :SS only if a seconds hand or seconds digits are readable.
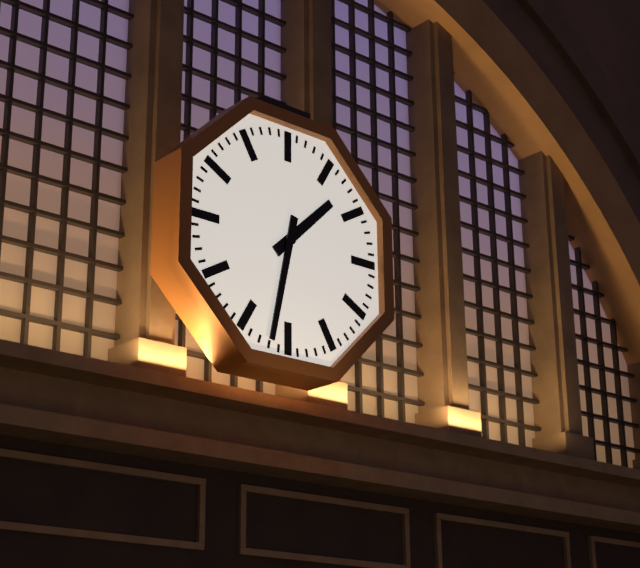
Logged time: 1:32
